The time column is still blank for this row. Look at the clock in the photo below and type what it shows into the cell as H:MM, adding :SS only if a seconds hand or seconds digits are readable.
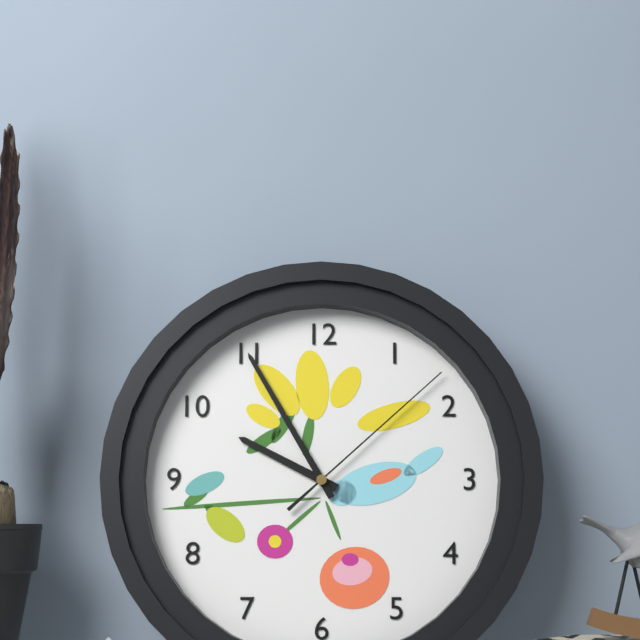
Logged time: 9:55:08
